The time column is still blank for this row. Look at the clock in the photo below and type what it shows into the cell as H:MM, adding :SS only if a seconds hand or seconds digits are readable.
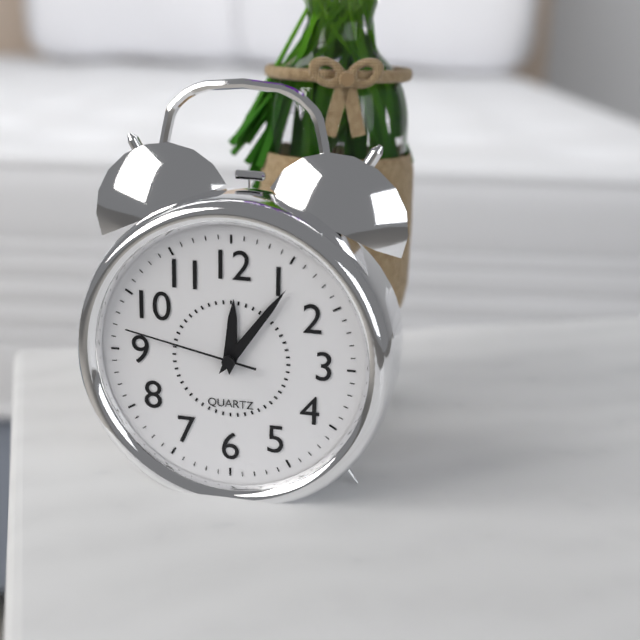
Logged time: 12:06:47
